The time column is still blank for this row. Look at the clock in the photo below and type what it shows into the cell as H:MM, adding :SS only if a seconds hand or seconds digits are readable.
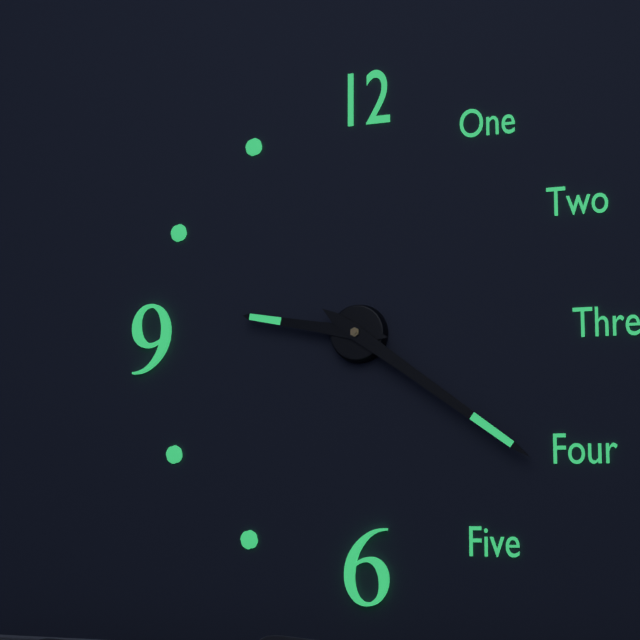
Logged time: 9:21
